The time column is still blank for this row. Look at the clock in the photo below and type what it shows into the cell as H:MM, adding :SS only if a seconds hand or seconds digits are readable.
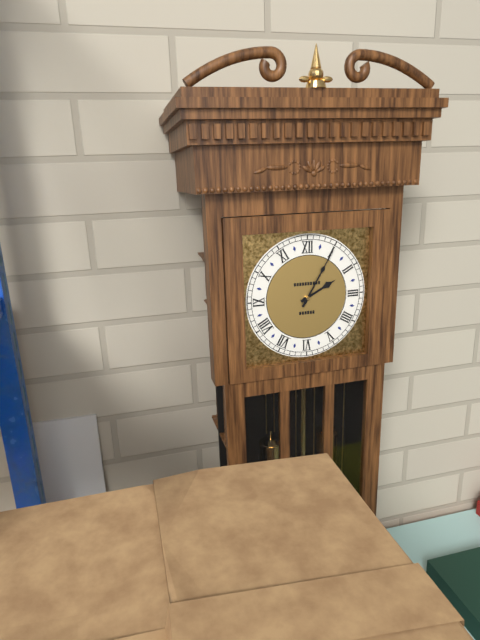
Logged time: 2:05
